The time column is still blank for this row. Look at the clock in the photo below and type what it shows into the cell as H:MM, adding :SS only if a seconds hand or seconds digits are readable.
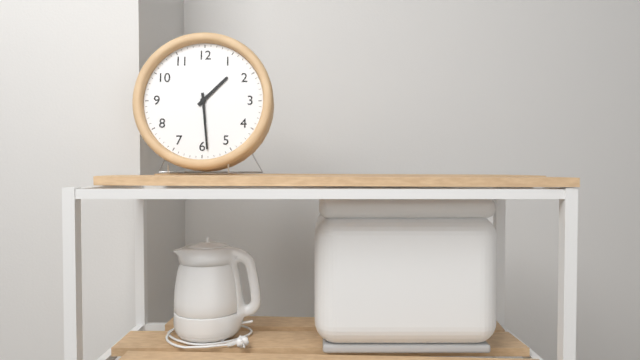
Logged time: 1:29
